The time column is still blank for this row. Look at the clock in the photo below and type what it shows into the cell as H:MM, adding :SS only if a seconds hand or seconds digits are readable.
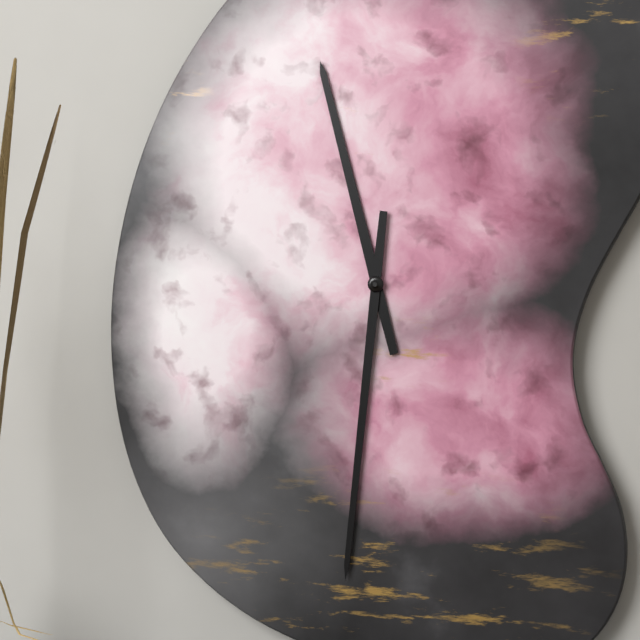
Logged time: 11:31
